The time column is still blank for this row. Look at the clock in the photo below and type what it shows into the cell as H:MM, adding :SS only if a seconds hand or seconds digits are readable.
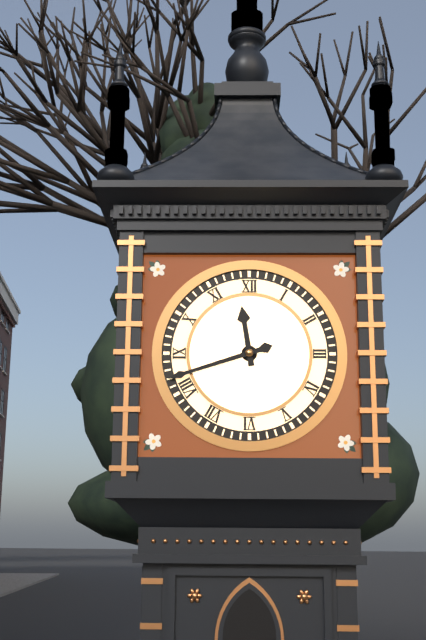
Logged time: 11:42
